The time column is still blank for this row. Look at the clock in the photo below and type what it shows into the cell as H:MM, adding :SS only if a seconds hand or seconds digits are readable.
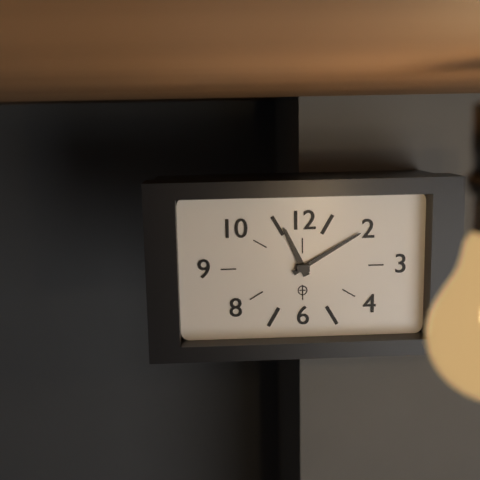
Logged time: 11:10
